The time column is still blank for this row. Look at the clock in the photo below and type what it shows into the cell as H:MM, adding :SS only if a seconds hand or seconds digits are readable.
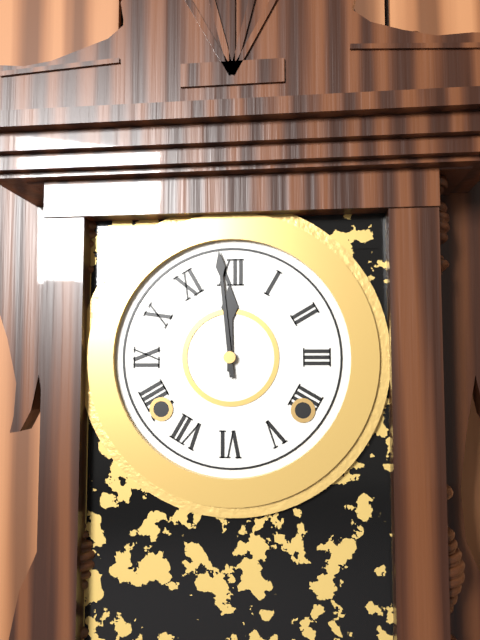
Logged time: 11:59
